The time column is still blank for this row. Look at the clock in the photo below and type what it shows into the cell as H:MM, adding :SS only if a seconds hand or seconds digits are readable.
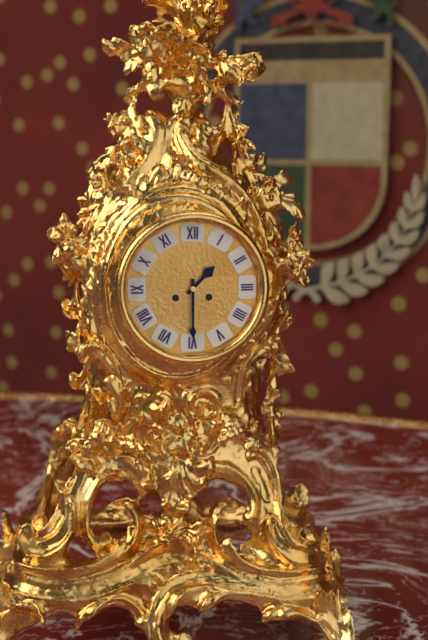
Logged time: 1:30
